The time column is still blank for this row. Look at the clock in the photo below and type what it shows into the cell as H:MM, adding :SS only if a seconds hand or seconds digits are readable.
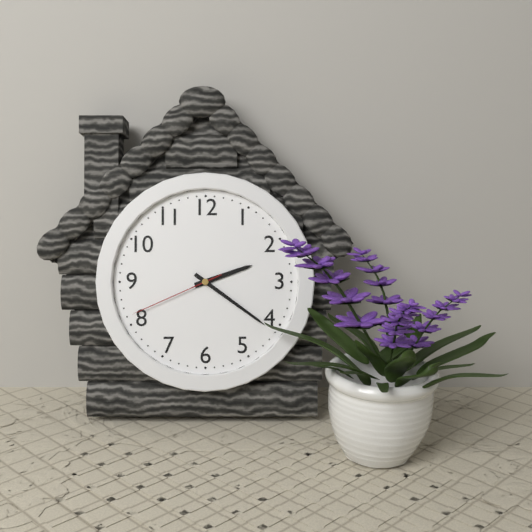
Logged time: 2:21:41
